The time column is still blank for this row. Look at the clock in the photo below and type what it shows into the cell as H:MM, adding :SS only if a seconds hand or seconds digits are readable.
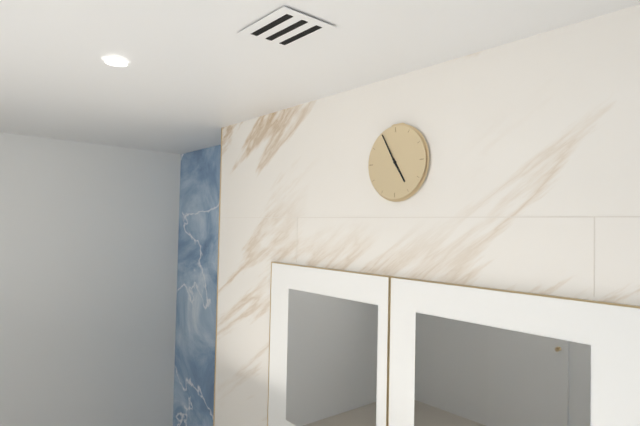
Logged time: 4:55
